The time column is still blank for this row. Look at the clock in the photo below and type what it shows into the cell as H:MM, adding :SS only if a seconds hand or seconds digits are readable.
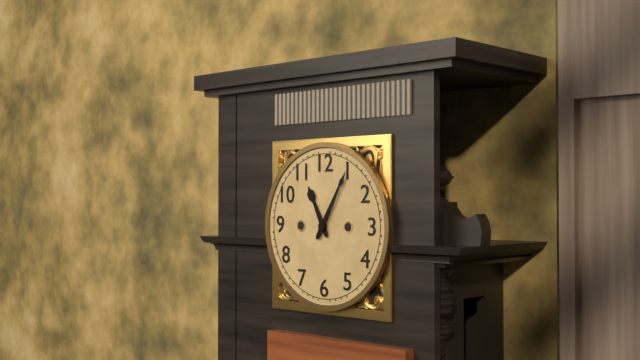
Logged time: 11:05
